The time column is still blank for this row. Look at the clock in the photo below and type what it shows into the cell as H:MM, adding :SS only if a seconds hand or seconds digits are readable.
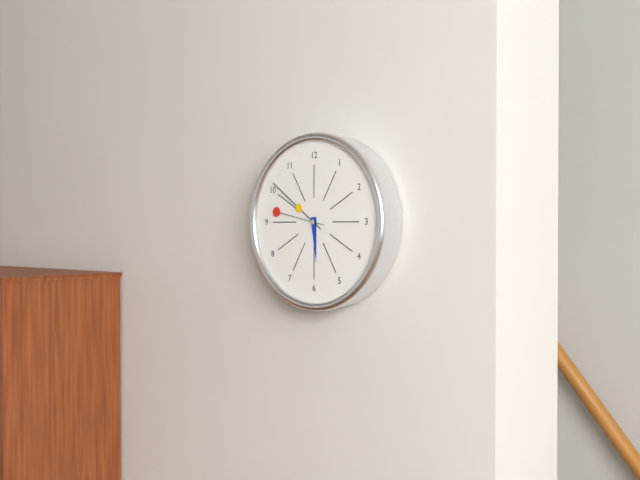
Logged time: 5:51:47
